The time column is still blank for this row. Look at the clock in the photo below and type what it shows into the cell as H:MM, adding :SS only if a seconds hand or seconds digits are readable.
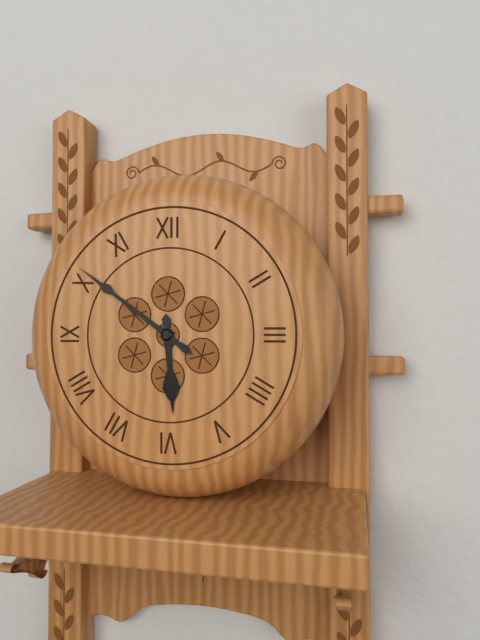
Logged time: 5:51
